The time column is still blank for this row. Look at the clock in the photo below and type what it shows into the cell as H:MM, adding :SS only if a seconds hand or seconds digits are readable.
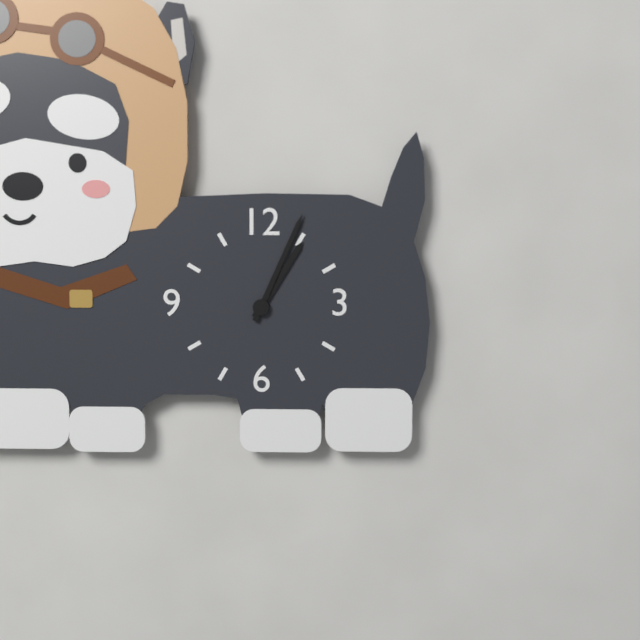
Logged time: 1:04
